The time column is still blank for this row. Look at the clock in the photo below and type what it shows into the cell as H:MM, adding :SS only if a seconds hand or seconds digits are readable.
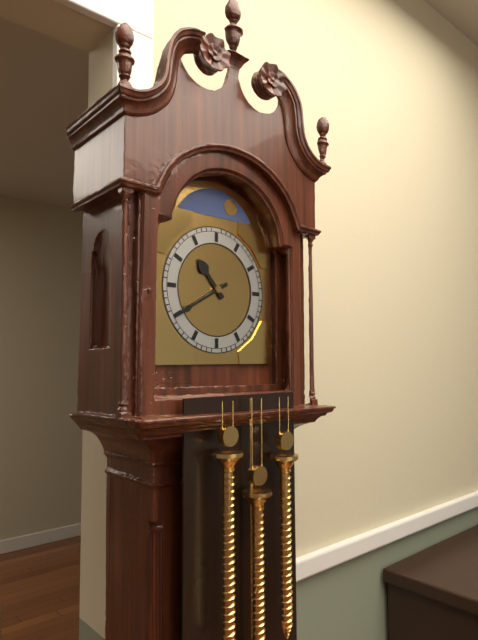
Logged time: 10:40
